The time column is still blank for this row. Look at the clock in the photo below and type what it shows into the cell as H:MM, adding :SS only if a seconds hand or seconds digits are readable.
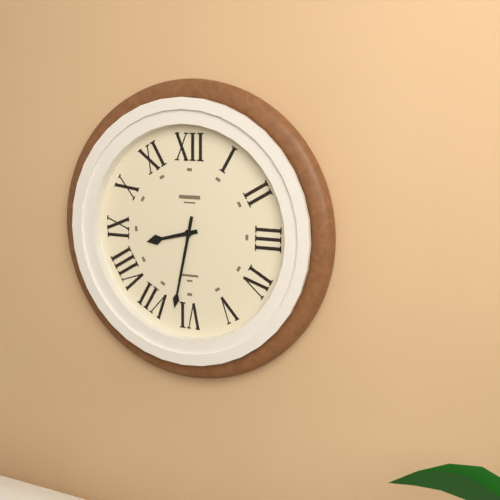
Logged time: 8:32
